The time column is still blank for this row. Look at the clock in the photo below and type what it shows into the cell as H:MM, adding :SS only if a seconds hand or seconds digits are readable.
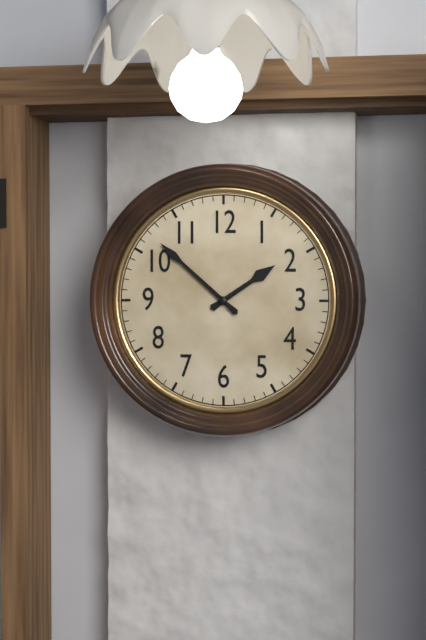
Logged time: 1:52
